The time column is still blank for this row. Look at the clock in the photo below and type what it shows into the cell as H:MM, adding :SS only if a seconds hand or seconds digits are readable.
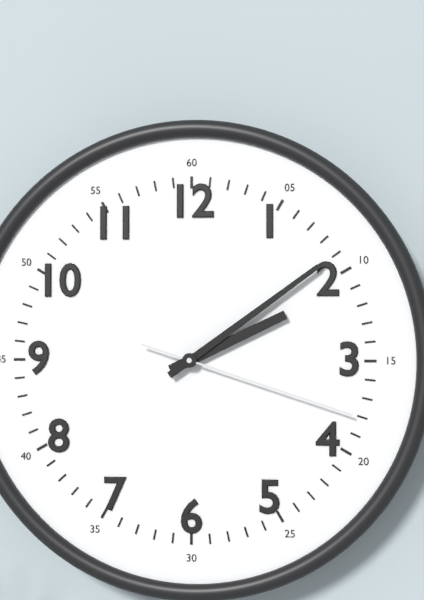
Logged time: 2:09:18
